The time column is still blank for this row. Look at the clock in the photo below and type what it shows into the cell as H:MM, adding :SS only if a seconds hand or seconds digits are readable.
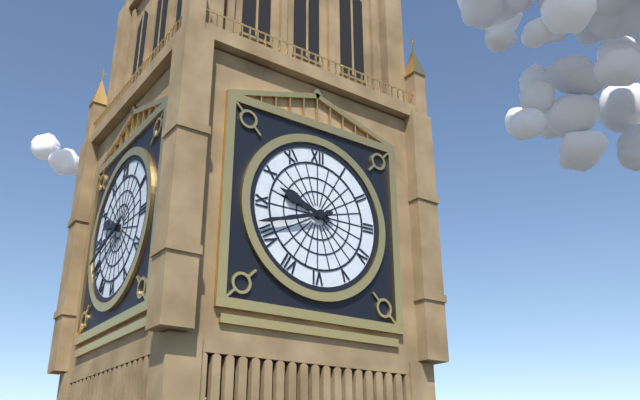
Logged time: 9:42
